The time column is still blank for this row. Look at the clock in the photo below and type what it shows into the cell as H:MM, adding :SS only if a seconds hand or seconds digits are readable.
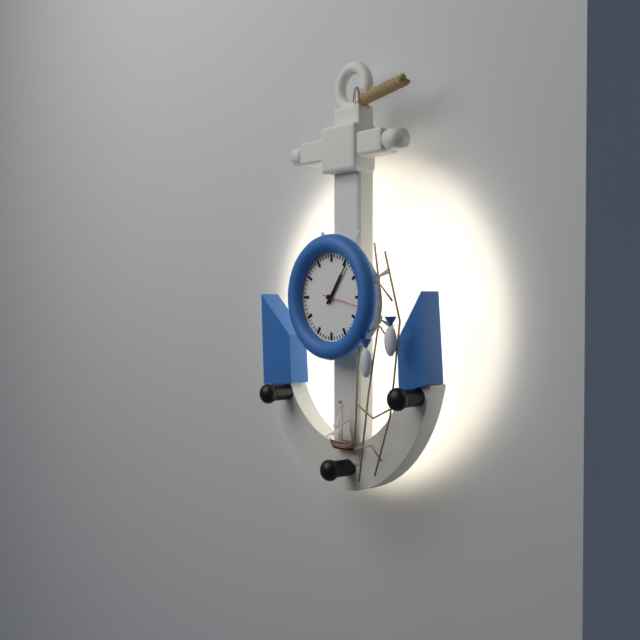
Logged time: 1:06
